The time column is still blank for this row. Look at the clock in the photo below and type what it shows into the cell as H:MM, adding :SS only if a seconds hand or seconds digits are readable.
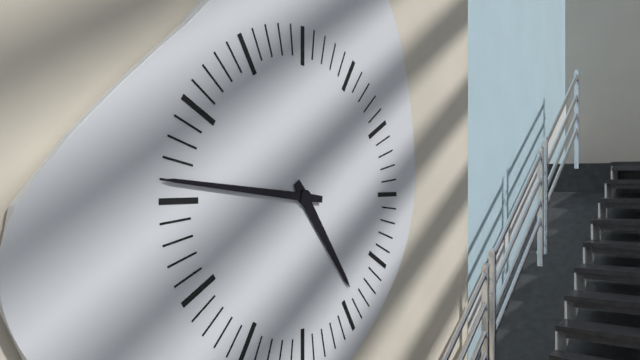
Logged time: 4:46
